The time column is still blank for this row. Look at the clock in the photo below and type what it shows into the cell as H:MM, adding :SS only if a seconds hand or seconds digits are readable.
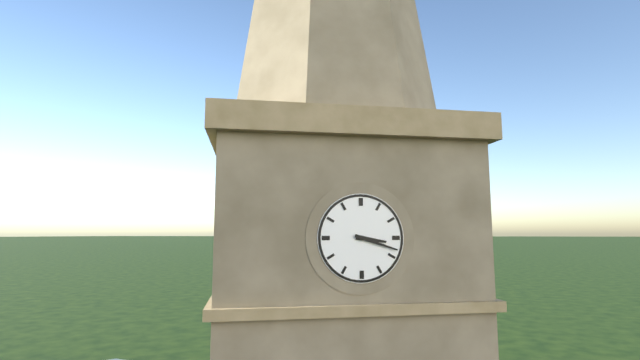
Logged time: 3:18
